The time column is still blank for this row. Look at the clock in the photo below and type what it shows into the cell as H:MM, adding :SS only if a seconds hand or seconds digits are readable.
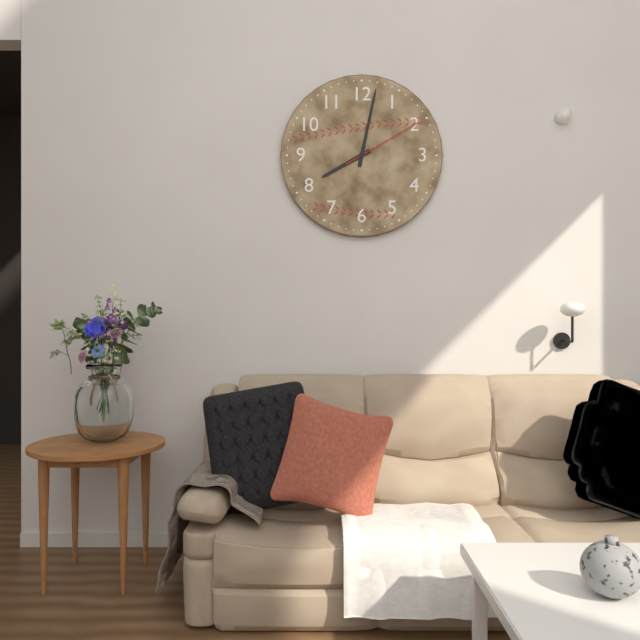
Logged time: 8:02:10
